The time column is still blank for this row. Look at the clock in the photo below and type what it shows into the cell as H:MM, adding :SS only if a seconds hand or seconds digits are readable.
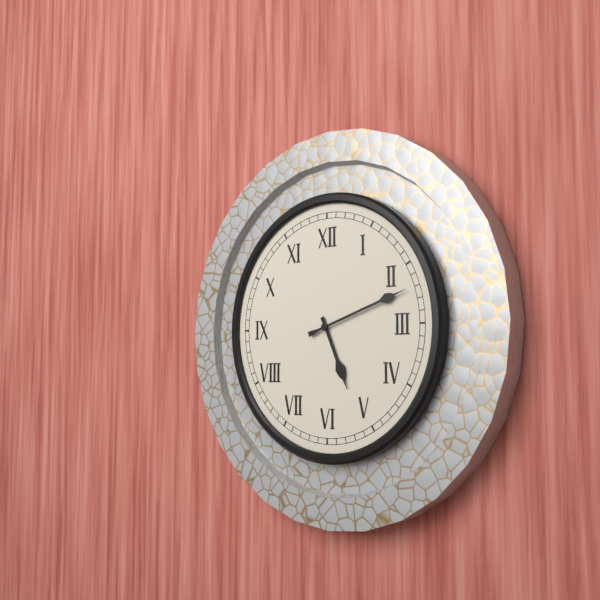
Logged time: 5:12
